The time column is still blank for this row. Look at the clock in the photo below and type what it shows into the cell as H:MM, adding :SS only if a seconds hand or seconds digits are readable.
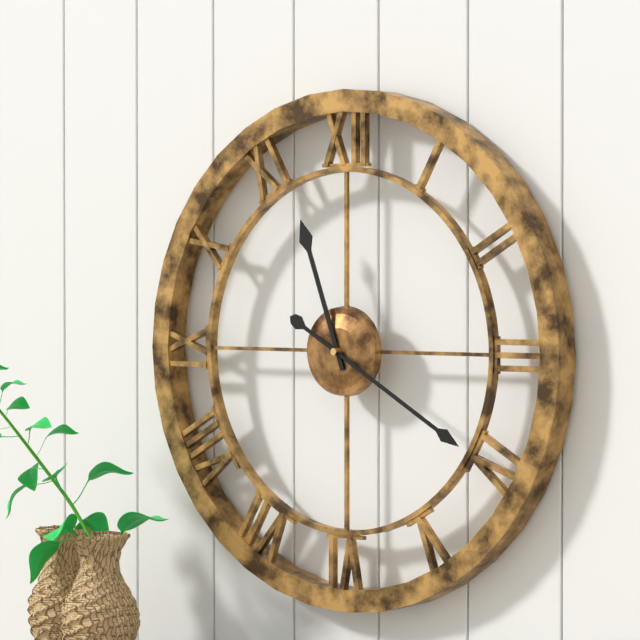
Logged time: 11:20
